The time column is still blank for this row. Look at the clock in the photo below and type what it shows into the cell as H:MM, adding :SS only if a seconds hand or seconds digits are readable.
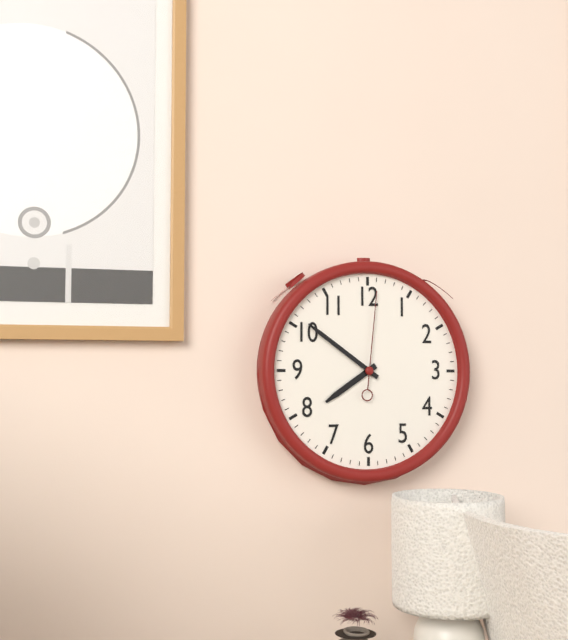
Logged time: 7:51:01
